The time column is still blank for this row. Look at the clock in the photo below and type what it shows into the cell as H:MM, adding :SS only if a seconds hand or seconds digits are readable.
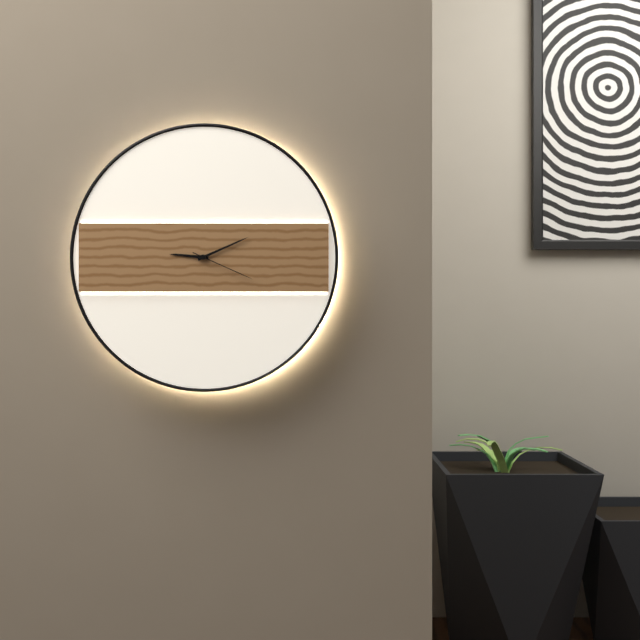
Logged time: 9:11:19
